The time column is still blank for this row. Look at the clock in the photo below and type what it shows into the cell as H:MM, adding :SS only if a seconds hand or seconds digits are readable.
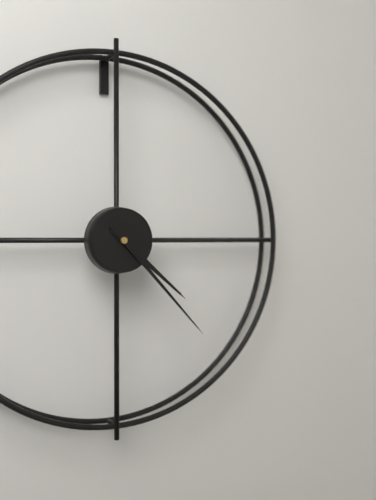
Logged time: 4:23
